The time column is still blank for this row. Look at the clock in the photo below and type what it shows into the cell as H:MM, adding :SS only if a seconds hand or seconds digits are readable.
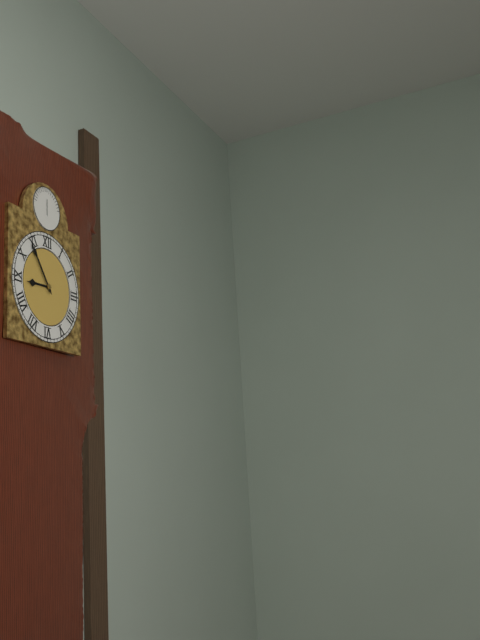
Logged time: 8:54
